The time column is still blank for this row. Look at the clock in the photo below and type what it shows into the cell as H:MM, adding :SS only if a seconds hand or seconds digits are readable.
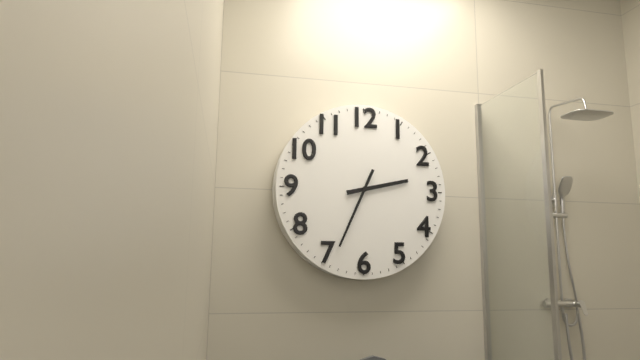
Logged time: 2:34
